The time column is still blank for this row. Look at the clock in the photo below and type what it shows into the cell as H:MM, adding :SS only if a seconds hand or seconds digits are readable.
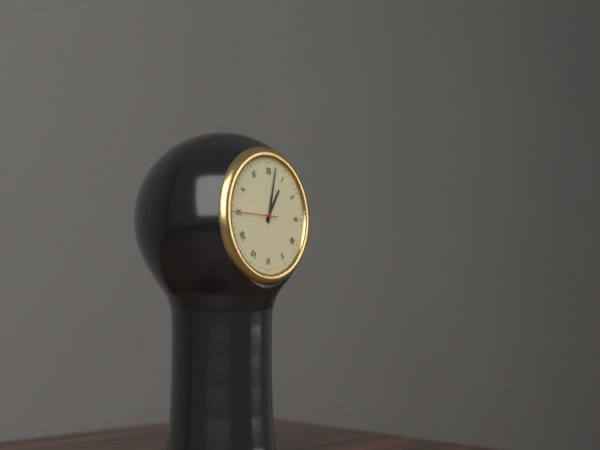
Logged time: 1:02
